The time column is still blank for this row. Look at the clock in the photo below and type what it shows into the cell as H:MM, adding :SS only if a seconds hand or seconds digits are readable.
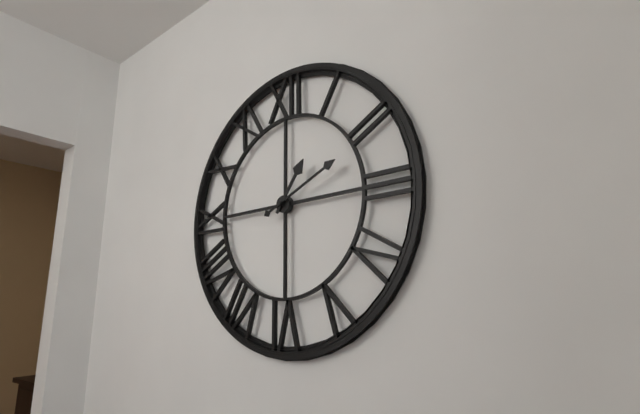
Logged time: 1:11
